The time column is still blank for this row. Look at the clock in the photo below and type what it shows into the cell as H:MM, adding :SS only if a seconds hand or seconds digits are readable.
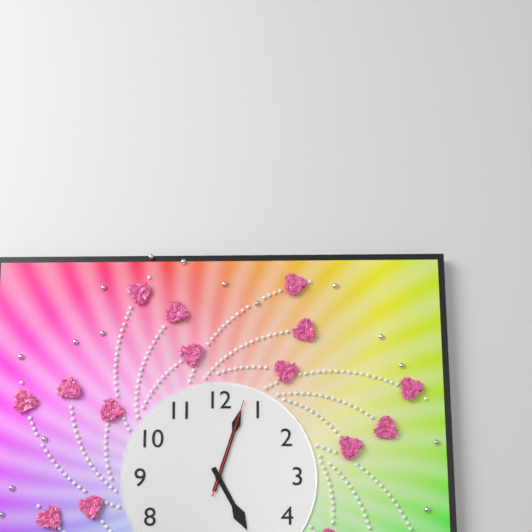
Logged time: 5:03:03
